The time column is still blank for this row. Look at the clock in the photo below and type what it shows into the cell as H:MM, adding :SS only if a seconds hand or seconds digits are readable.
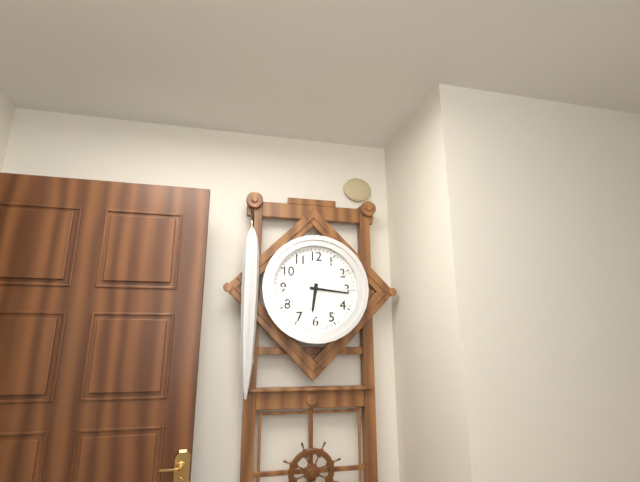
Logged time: 6:16
